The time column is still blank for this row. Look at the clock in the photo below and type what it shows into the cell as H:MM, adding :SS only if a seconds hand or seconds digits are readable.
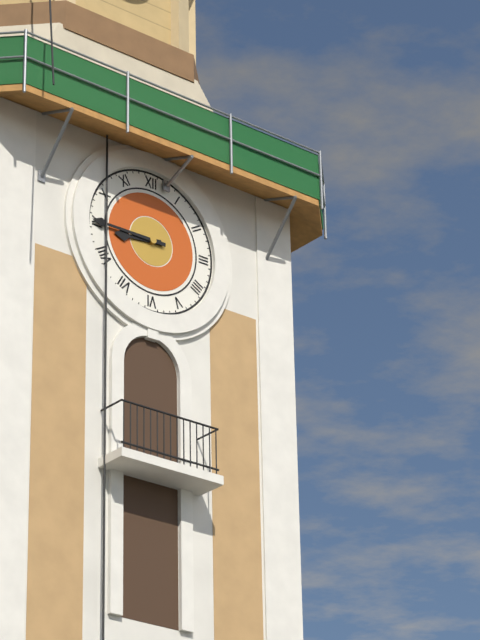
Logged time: 8:45
